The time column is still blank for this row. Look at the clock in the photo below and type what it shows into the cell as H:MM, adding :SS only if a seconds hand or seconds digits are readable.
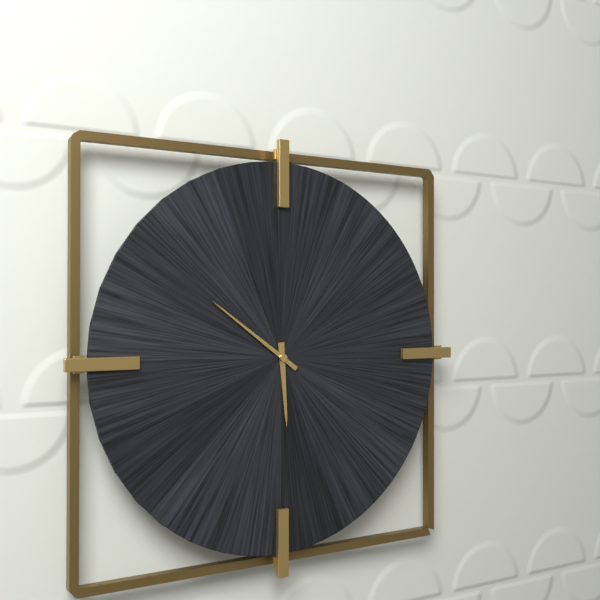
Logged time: 5:51
